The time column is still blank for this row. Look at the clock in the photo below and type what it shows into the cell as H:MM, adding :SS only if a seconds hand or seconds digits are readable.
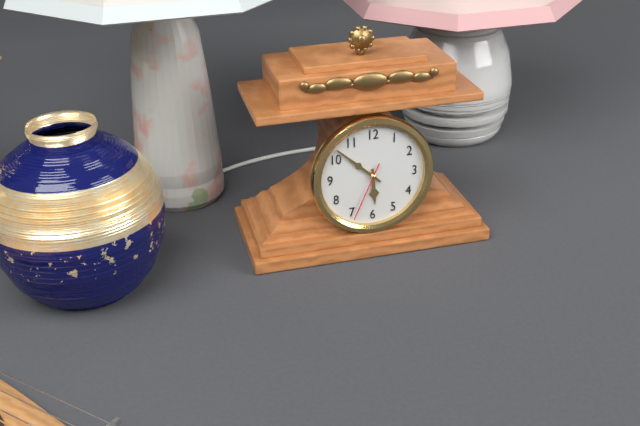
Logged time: 5:52:34
